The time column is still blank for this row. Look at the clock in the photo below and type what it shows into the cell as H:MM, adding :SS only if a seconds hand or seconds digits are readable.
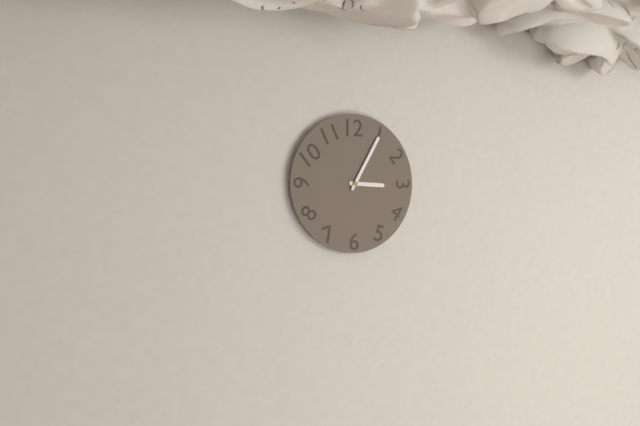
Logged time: 3:05
